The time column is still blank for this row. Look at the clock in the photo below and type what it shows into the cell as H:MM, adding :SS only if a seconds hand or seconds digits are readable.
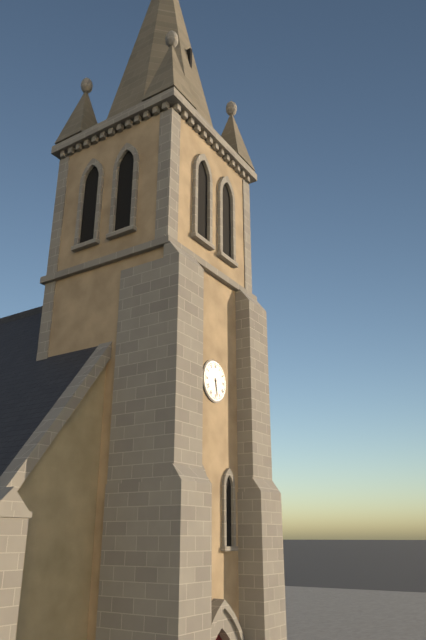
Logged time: 5:28
